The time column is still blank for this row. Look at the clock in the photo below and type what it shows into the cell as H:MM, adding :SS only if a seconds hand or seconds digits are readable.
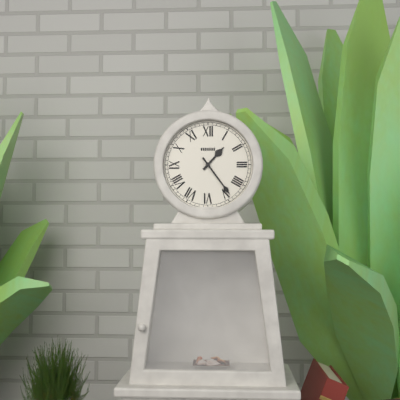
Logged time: 1:24
